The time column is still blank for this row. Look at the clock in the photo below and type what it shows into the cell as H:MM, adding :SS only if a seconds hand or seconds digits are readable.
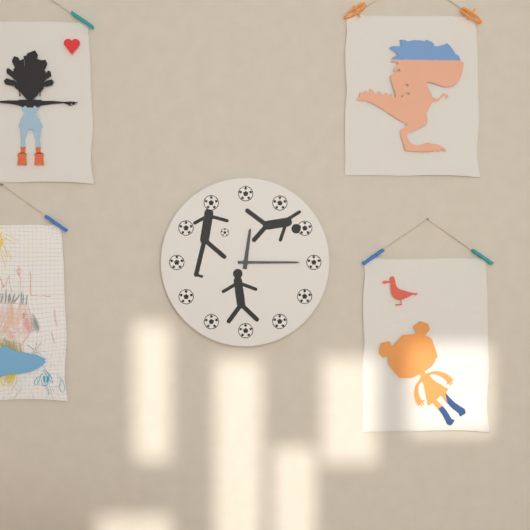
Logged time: 12:15
